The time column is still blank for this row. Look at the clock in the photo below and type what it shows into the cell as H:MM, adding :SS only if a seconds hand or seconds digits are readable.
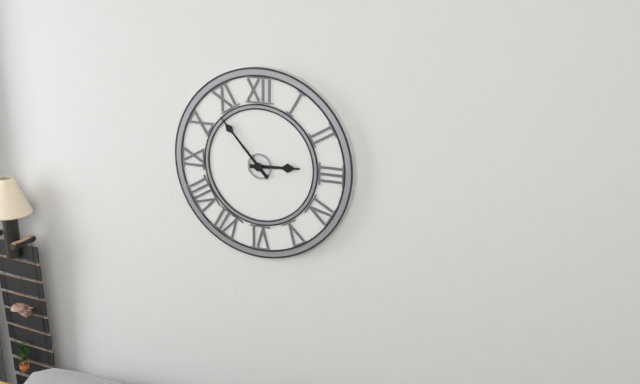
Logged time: 2:53
